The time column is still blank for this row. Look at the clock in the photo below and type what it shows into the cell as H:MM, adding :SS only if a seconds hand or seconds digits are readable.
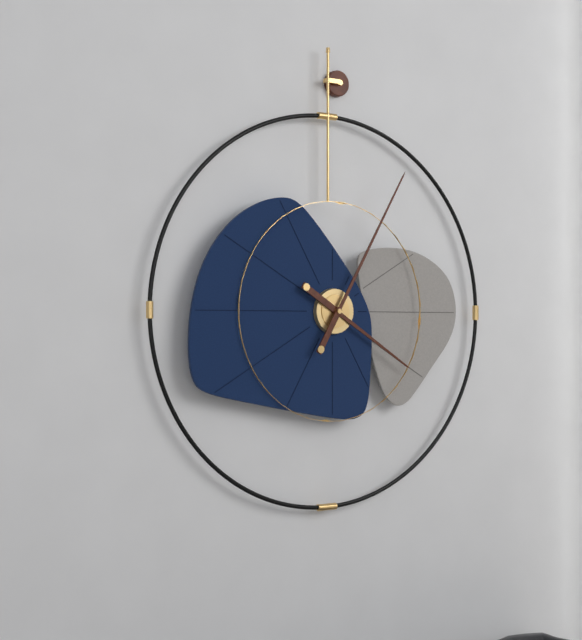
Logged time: 4:05
